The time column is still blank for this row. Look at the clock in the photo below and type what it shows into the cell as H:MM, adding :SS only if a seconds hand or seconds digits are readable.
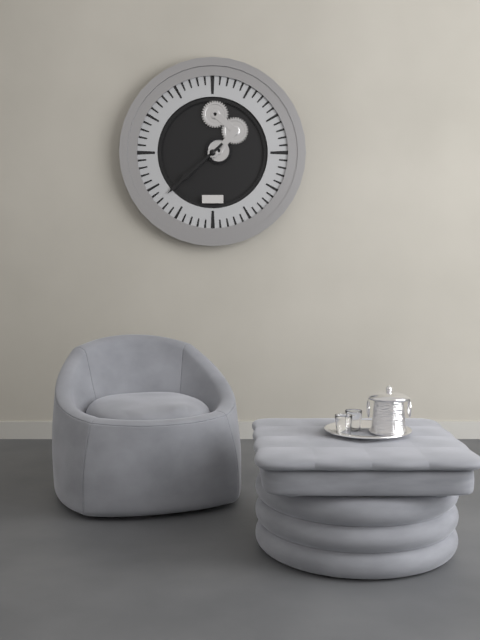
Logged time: 7:38
